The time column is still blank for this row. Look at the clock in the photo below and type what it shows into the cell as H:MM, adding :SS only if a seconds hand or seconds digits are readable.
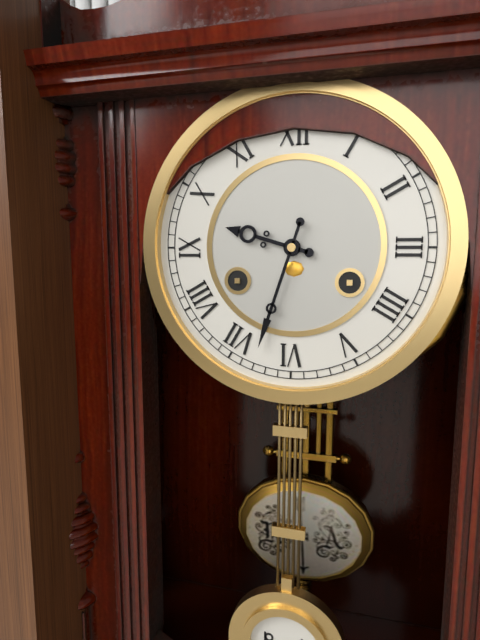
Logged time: 9:33
